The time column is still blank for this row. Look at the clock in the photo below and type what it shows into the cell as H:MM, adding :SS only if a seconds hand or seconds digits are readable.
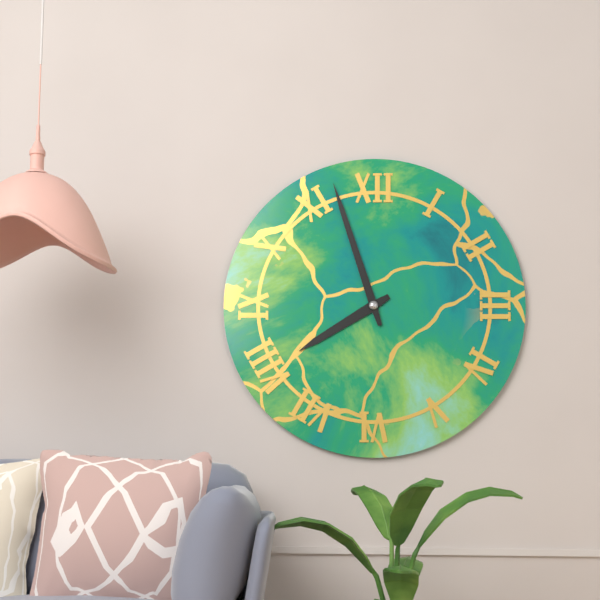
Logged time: 7:57
